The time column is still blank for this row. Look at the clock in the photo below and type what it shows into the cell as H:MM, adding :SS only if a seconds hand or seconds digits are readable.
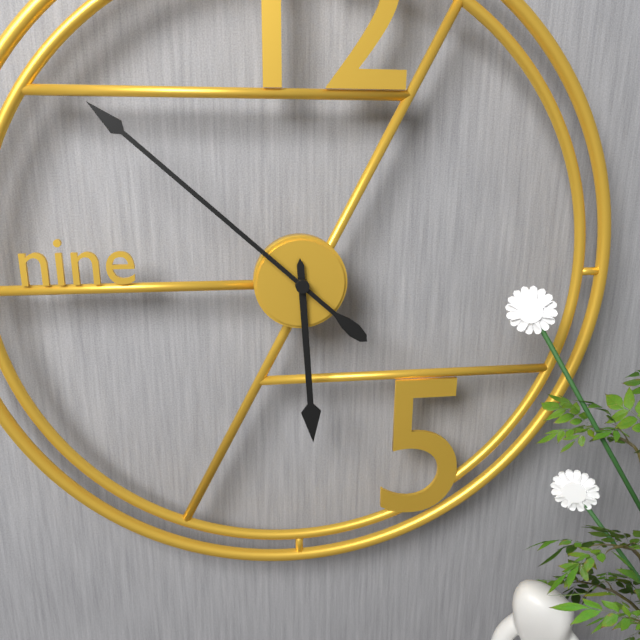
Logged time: 5:52
